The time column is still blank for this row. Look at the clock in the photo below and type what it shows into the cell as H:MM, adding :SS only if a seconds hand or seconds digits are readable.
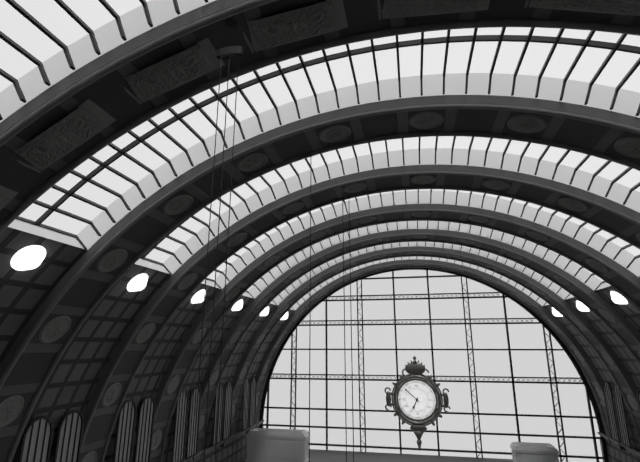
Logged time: 6:52
